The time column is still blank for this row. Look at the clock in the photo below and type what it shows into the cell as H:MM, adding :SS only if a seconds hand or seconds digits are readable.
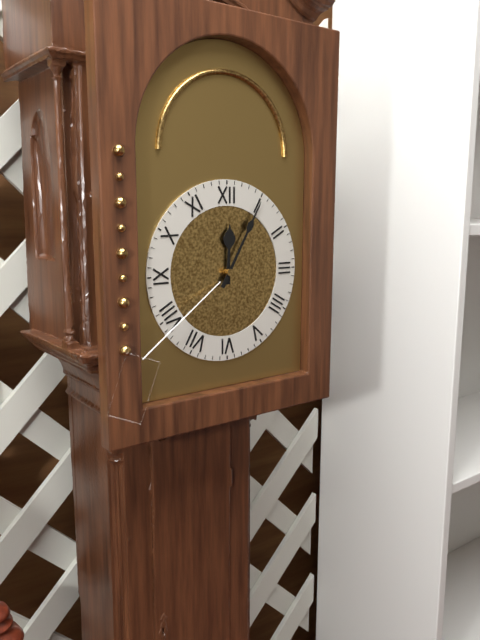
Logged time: 12:05
